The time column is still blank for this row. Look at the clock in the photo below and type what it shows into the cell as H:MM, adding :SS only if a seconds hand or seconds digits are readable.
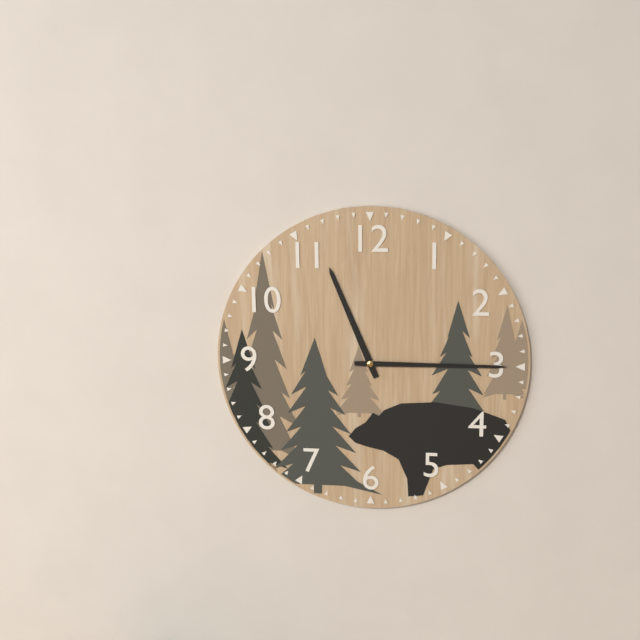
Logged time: 11:15
